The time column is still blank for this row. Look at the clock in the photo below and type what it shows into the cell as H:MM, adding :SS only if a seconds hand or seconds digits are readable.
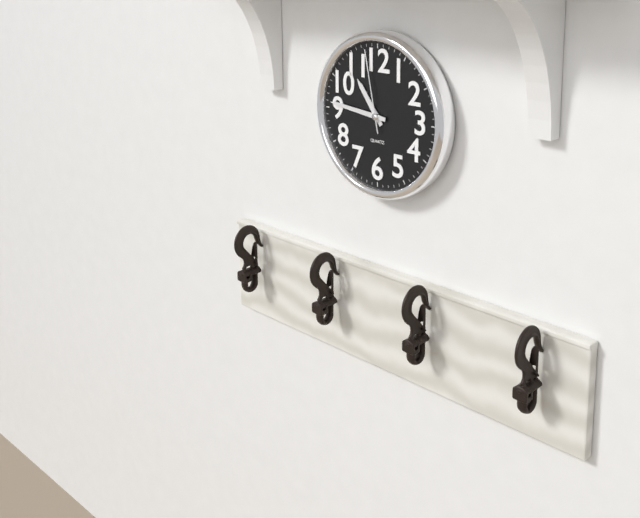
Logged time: 10:46:58
